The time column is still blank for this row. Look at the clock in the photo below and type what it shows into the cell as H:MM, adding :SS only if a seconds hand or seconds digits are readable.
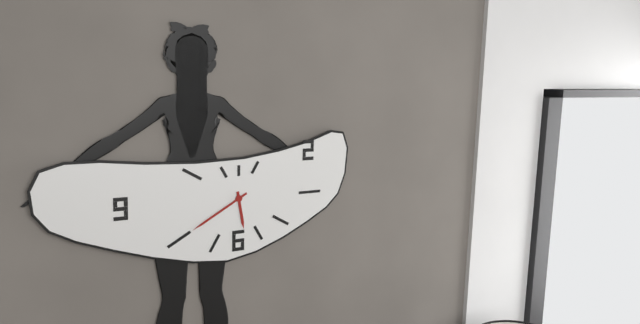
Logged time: 5:40
